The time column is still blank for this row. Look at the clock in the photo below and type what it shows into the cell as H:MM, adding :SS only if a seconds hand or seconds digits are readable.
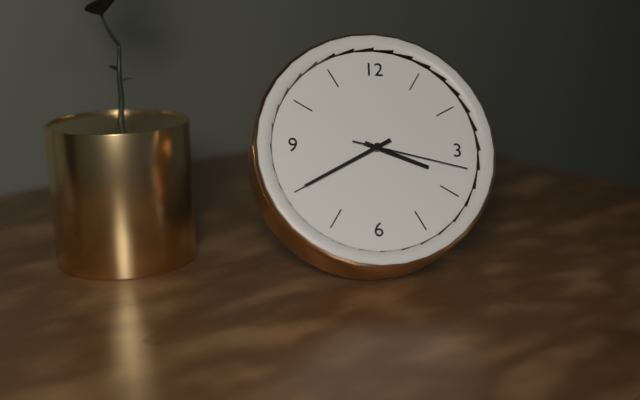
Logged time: 3:40:17
